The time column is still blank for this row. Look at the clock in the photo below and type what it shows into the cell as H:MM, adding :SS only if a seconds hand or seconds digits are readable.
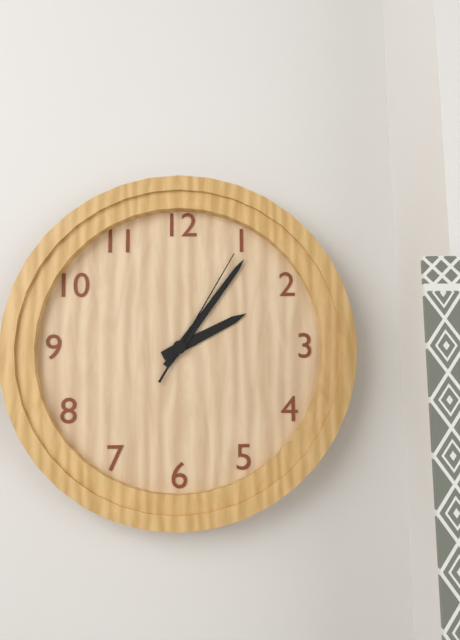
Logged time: 2:06:05
